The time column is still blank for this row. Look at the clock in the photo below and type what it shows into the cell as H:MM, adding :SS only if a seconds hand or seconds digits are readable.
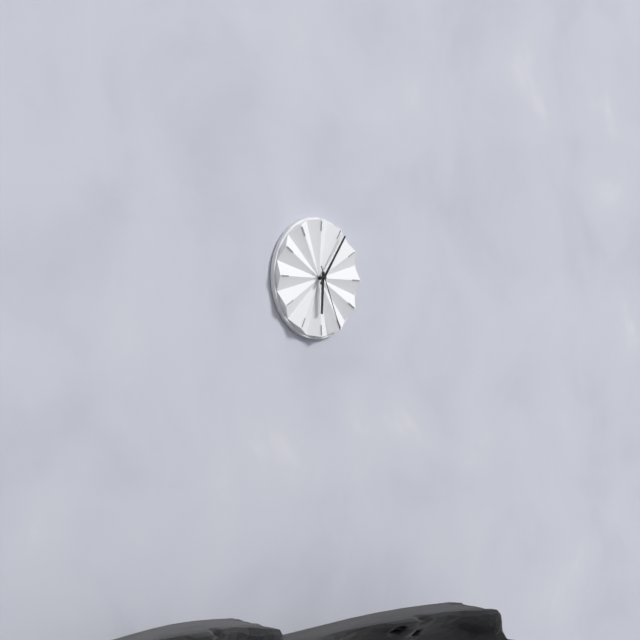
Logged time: 6:06:26
